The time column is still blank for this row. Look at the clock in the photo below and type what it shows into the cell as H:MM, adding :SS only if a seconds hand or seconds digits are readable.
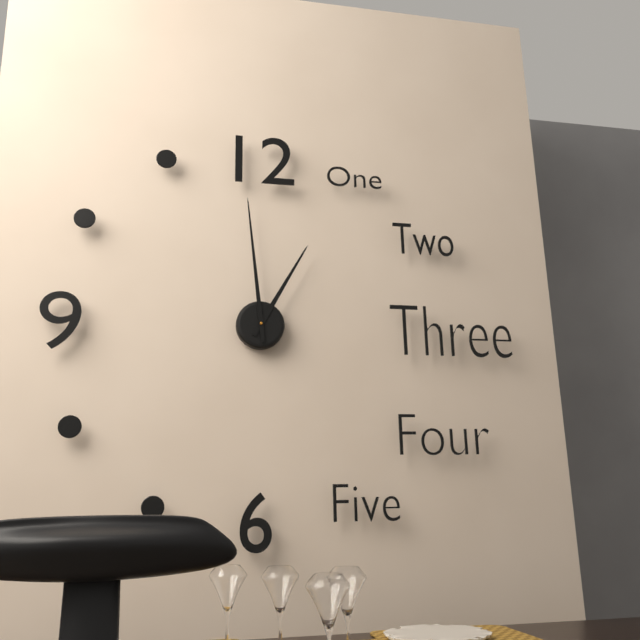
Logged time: 12:59
